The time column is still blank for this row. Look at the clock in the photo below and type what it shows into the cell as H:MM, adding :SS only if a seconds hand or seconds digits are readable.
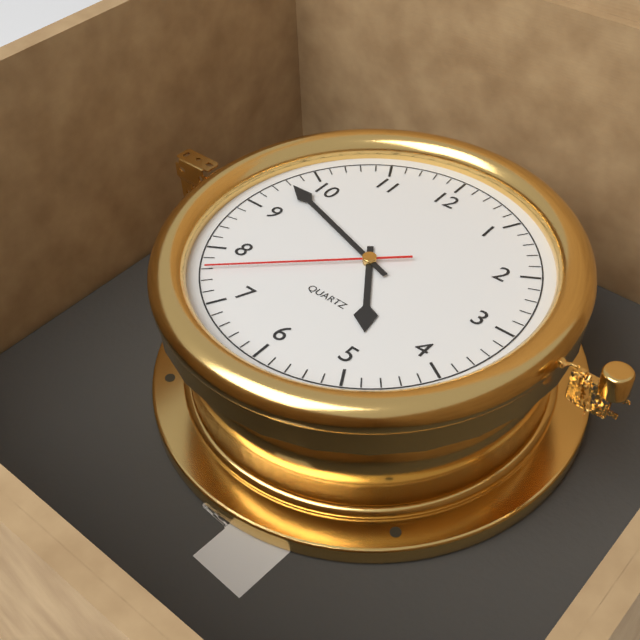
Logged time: 4:48:38
